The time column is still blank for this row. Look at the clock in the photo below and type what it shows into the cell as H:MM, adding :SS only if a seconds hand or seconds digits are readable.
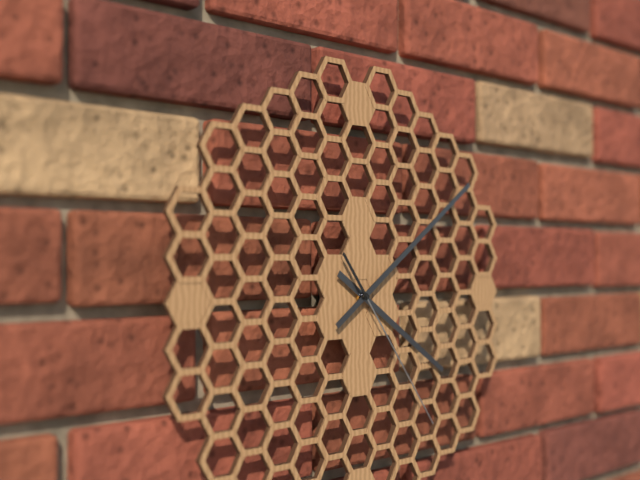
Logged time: 4:09:24
